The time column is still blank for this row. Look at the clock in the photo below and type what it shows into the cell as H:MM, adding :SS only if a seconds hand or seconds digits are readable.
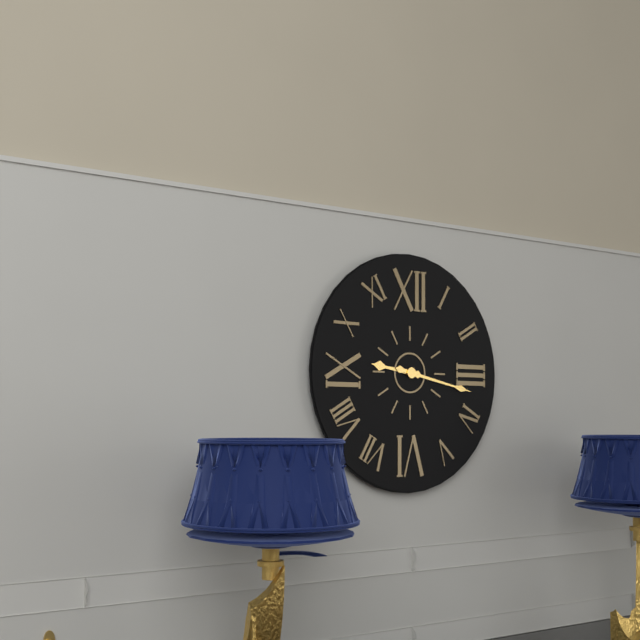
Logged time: 9:17
